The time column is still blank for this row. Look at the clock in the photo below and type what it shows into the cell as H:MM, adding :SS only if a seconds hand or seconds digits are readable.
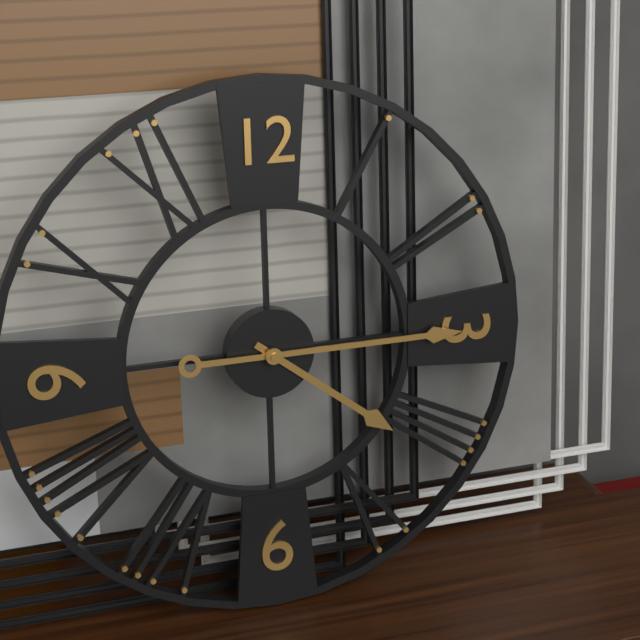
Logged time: 4:15
